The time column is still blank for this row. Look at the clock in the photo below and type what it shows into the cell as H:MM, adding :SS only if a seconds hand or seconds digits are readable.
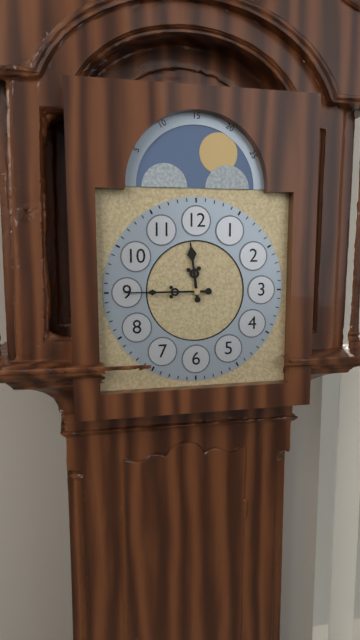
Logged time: 11:45
